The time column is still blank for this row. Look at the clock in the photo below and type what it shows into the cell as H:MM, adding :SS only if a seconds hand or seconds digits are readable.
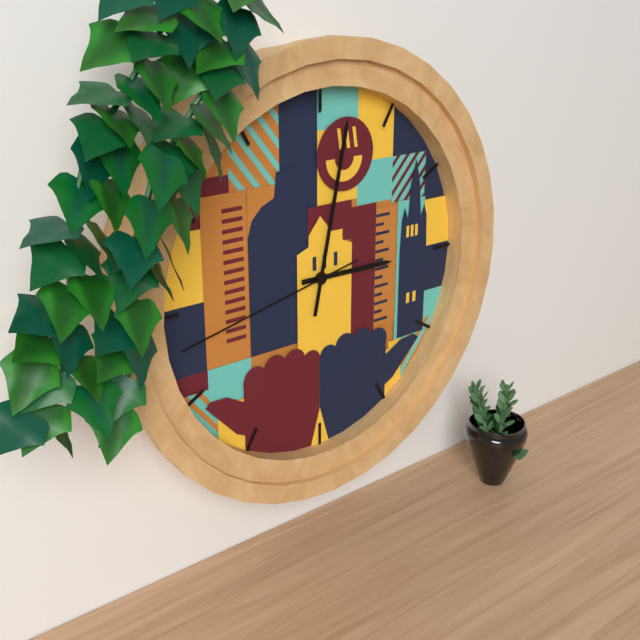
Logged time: 3:02:43
